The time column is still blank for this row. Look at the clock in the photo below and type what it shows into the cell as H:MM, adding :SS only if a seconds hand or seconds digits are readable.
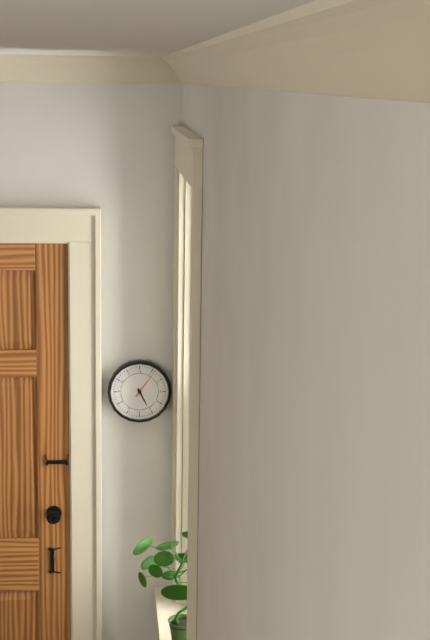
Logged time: 5:06
